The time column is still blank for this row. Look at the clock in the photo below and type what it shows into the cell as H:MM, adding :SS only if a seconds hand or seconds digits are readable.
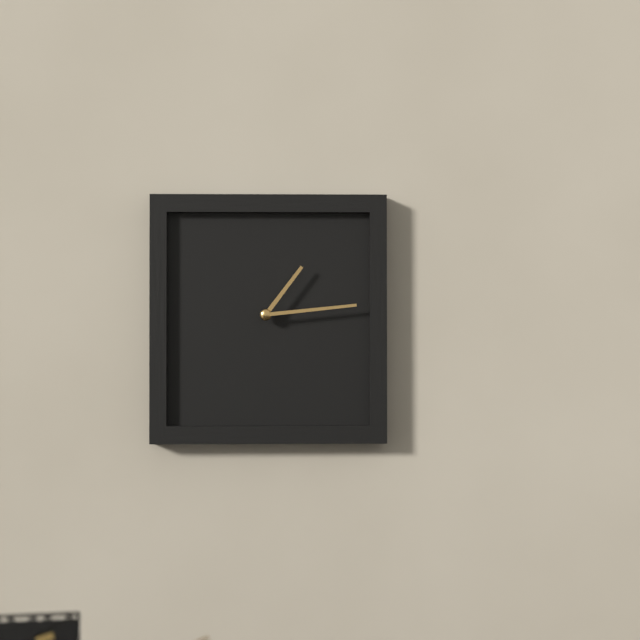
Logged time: 1:14
